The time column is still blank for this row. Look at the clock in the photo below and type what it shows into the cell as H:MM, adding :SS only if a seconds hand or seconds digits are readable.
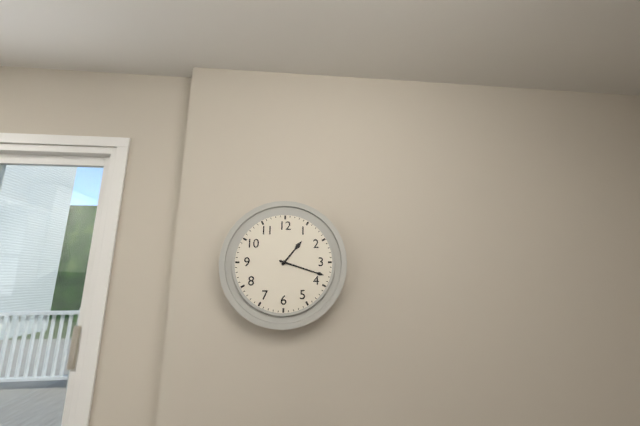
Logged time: 1:18
